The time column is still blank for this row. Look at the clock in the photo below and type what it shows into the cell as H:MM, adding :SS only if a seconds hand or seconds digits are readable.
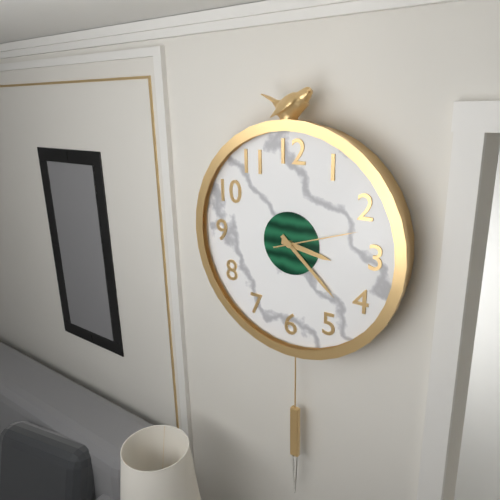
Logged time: 3:22:12
